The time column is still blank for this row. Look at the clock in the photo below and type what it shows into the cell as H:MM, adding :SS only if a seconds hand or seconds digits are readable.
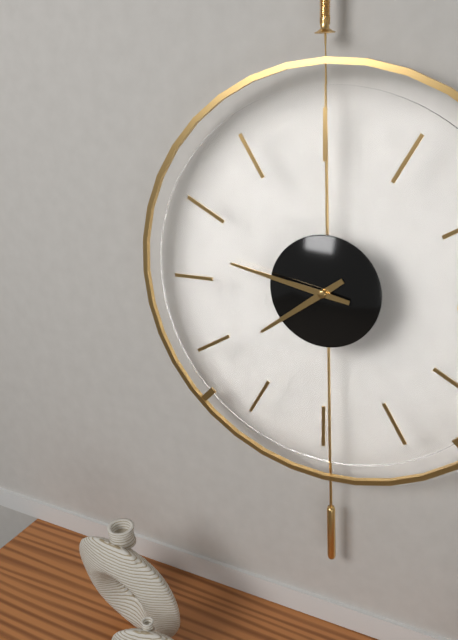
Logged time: 7:47
